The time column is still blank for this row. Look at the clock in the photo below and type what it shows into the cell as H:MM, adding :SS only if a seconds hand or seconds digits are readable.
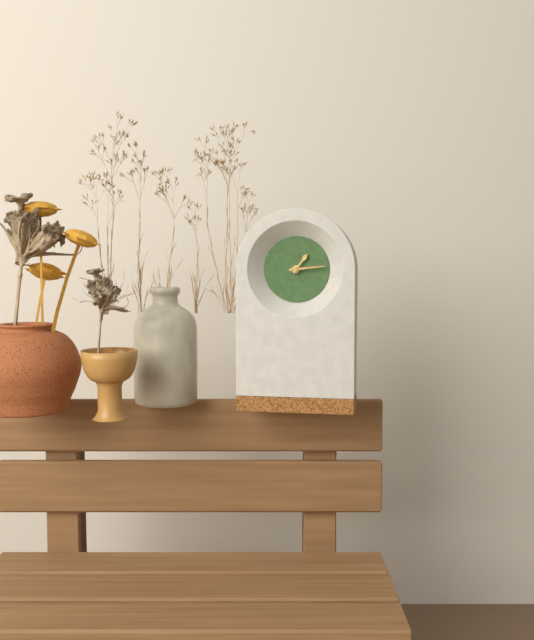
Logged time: 1:14
